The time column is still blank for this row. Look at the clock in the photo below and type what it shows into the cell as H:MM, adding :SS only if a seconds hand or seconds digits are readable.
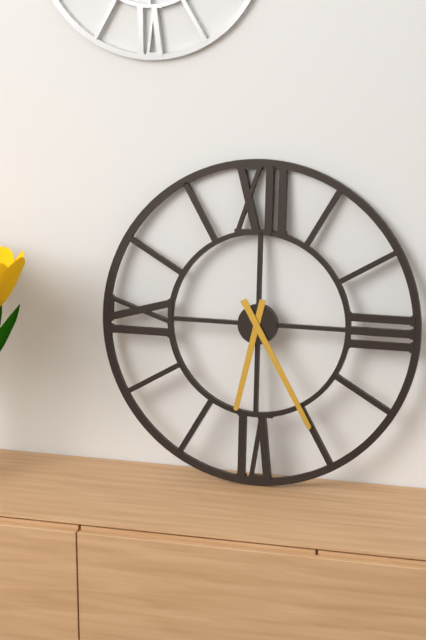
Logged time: 6:25
